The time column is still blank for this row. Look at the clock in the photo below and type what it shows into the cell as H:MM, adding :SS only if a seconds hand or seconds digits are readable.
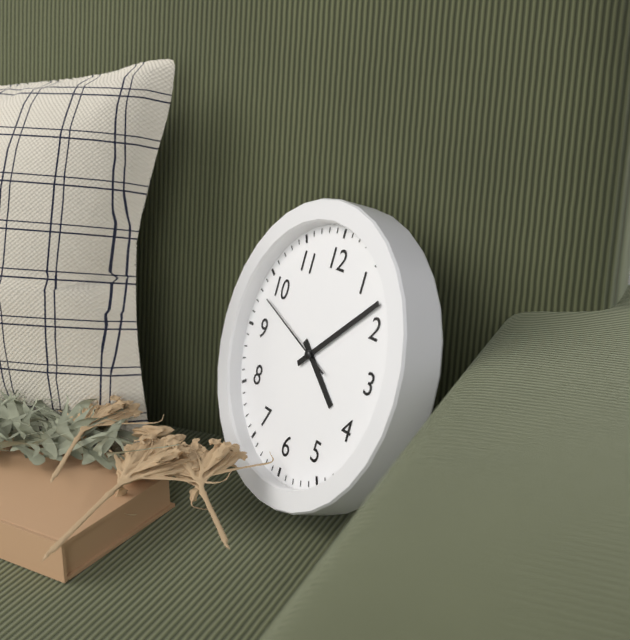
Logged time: 4:08:48
